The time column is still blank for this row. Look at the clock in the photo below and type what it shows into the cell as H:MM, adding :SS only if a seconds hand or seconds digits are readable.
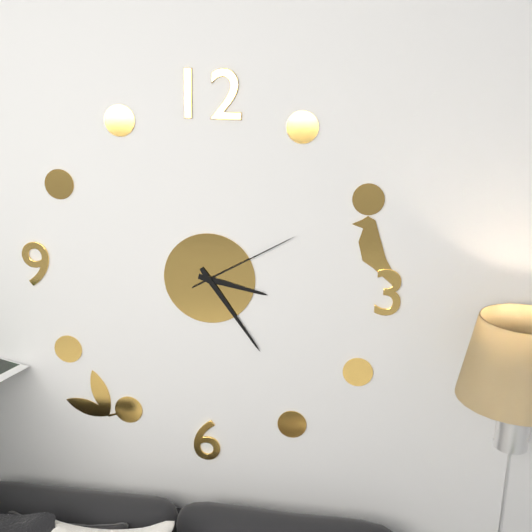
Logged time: 3:24:10
